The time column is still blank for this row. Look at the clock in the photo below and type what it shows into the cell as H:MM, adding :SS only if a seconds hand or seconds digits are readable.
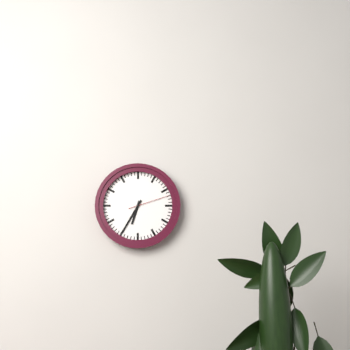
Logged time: 6:35
